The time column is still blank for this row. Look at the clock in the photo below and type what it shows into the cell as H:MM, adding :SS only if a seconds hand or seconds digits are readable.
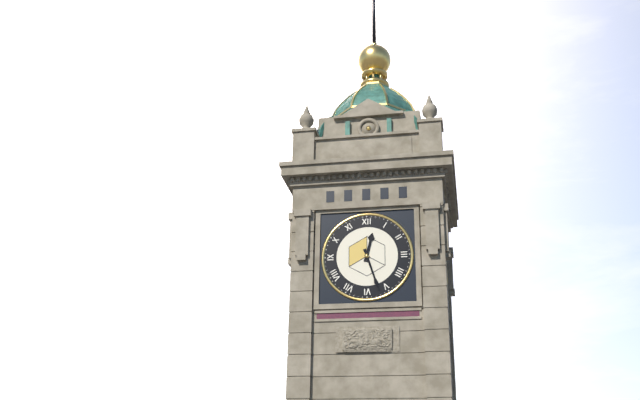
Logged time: 12:27
